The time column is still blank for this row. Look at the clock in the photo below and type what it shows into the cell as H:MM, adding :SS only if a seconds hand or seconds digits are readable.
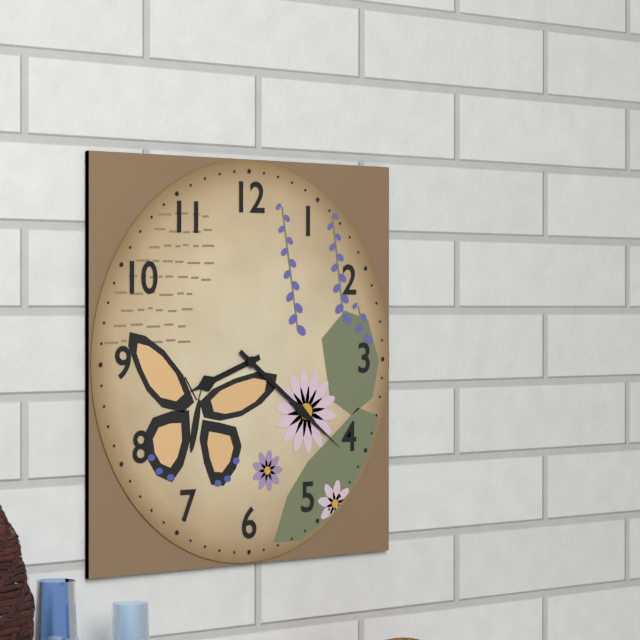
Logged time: 8:21
